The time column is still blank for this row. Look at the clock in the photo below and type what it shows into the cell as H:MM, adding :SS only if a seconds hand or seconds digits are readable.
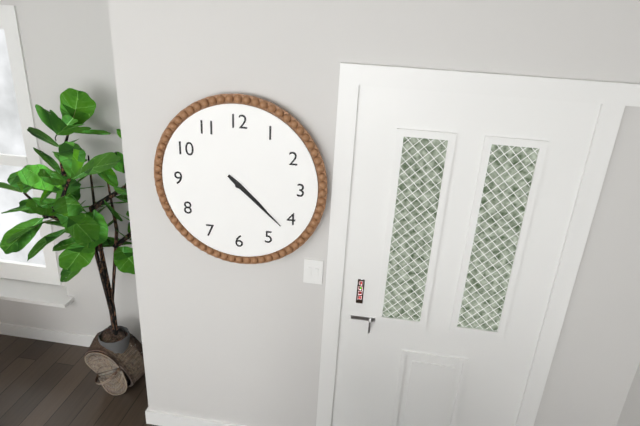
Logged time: 4:22
